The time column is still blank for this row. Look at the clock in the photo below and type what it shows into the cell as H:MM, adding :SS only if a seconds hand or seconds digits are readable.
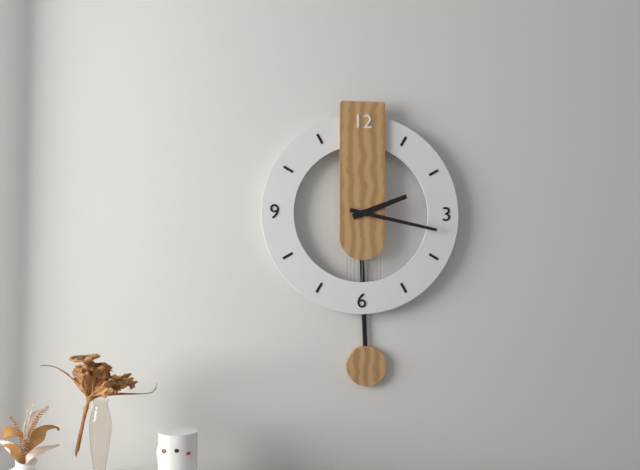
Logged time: 2:17
